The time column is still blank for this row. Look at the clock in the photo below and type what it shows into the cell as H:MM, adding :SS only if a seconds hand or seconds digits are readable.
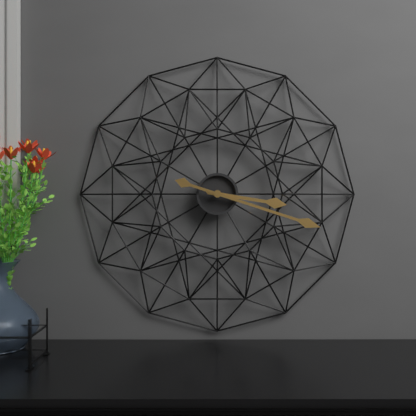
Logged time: 3:18
